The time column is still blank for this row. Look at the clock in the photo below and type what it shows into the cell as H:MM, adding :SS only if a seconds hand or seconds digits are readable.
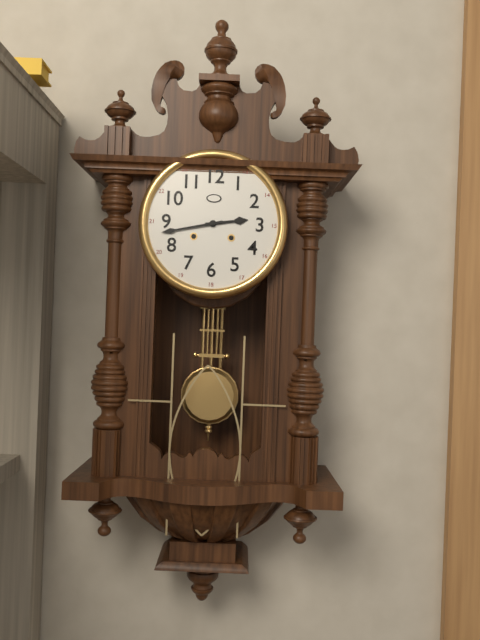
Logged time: 2:43
